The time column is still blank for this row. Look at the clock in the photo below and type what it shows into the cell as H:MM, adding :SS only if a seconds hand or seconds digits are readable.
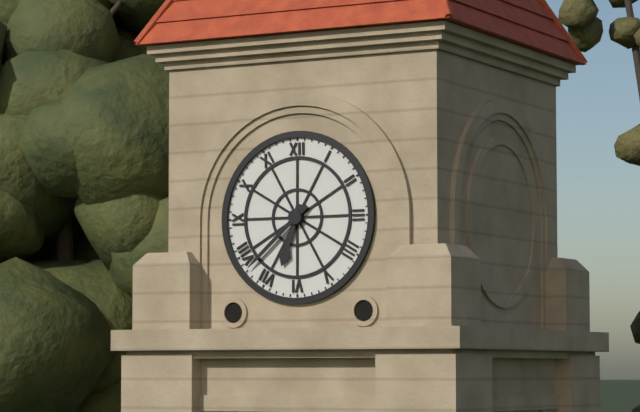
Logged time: 6:38
